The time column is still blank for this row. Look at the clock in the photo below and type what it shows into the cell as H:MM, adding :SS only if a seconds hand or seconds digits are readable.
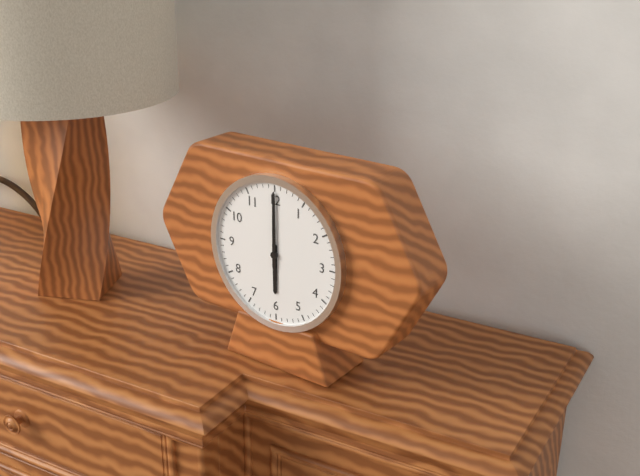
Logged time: 6:00
